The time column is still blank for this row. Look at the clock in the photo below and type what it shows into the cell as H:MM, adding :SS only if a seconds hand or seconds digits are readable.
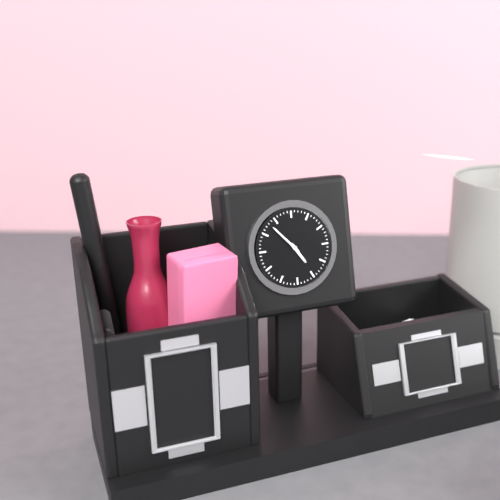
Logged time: 4:53
